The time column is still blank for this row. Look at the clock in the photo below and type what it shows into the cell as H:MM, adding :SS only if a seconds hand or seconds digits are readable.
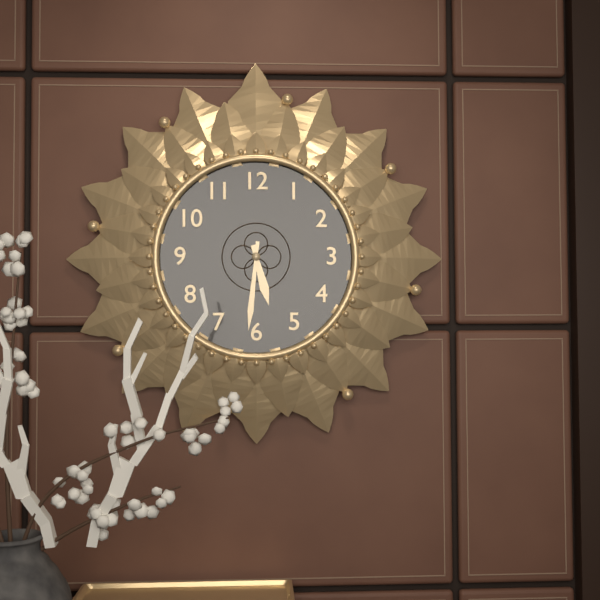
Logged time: 5:31
